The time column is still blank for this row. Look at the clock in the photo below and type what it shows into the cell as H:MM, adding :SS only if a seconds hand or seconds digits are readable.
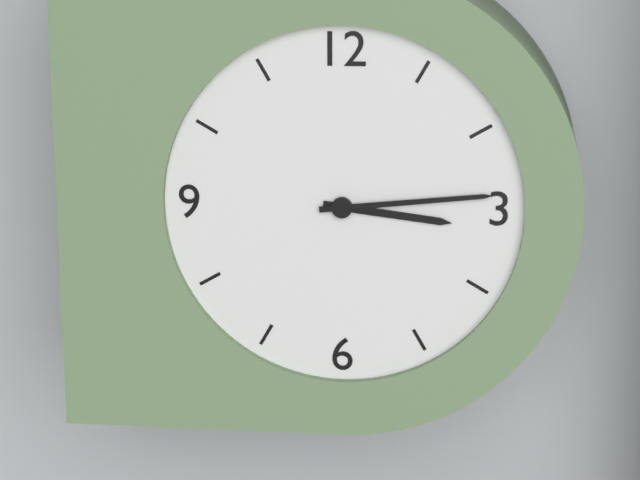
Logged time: 3:14
